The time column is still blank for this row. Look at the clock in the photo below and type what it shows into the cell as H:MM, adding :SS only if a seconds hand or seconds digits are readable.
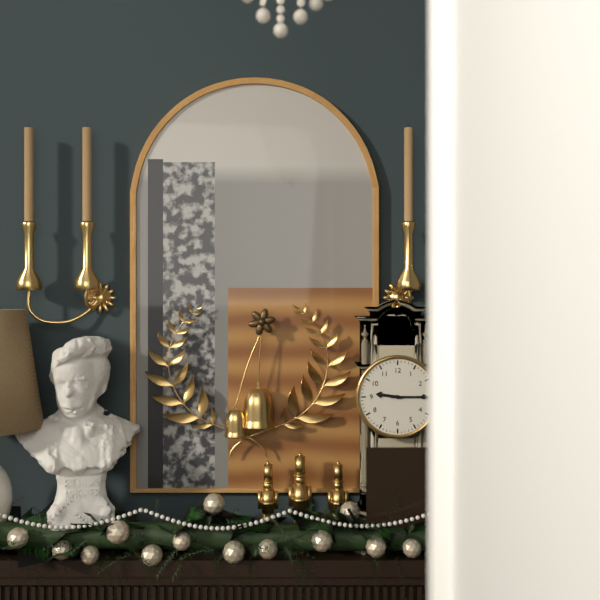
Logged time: 9:15
